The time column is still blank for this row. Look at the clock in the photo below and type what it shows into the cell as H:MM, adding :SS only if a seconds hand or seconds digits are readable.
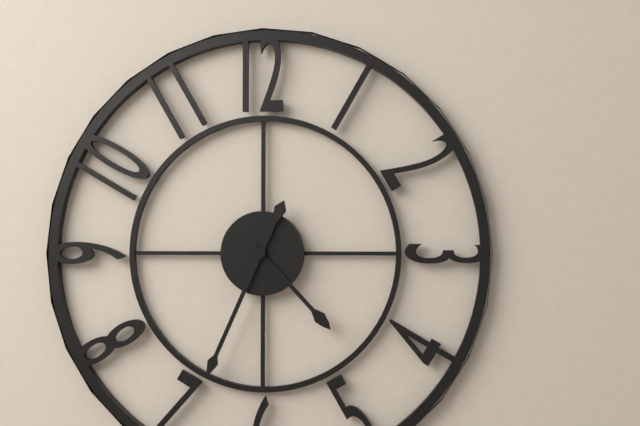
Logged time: 4:34
